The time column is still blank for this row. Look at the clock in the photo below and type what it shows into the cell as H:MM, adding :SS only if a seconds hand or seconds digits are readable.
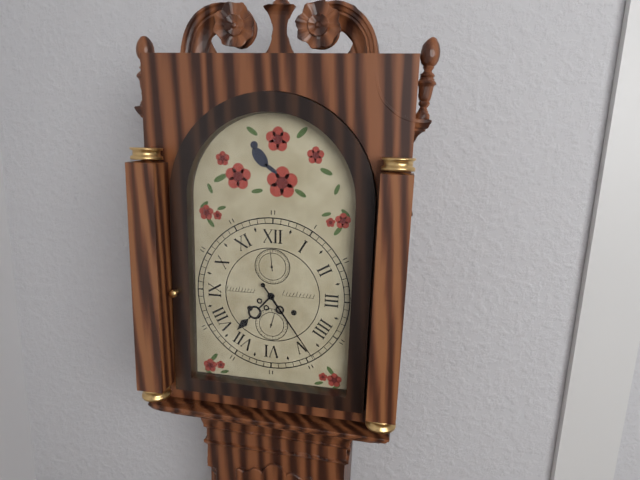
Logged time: 7:24
